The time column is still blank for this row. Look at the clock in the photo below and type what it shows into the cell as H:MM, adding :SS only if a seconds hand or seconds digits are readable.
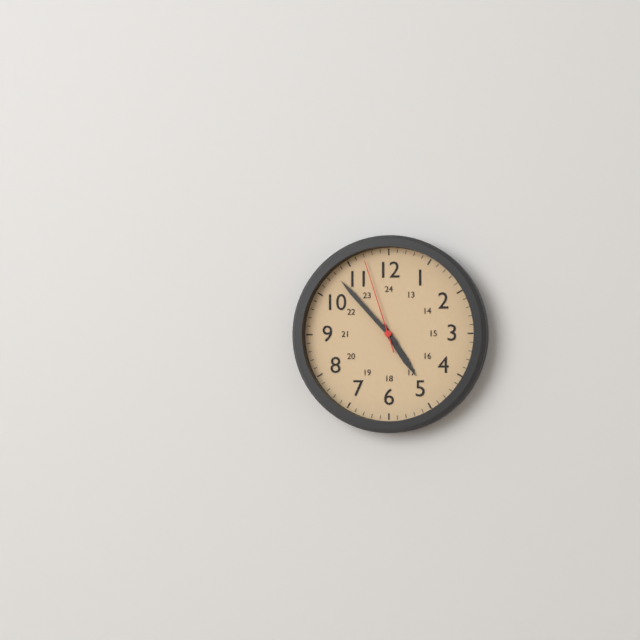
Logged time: 4:53:57
